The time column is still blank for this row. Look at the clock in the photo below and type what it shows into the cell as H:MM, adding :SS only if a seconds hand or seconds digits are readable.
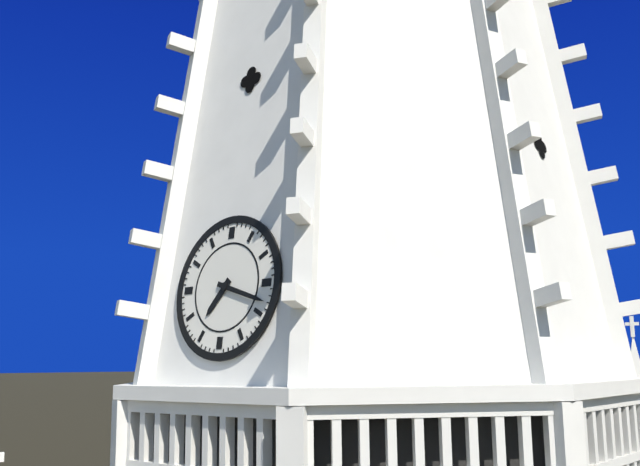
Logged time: 7:18
